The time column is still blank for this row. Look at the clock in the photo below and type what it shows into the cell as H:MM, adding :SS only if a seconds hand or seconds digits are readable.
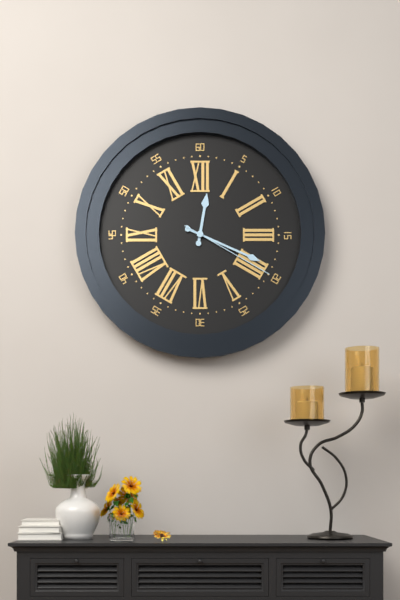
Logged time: 12:19:20
